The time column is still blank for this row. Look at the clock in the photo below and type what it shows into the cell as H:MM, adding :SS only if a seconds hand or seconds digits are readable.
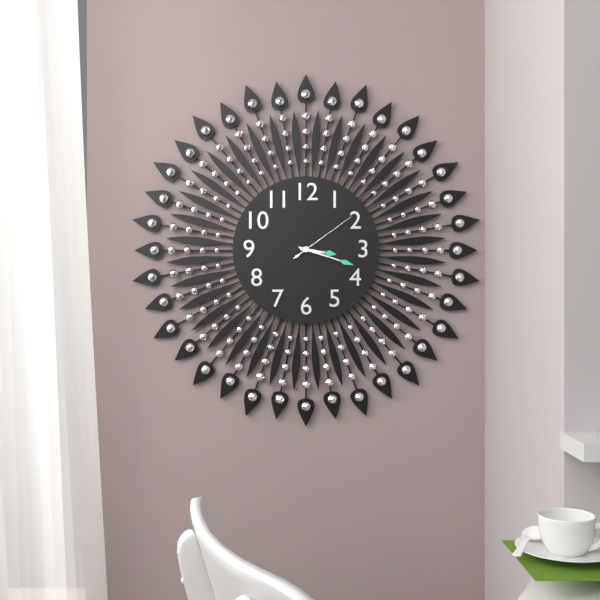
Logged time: 3:18:09
